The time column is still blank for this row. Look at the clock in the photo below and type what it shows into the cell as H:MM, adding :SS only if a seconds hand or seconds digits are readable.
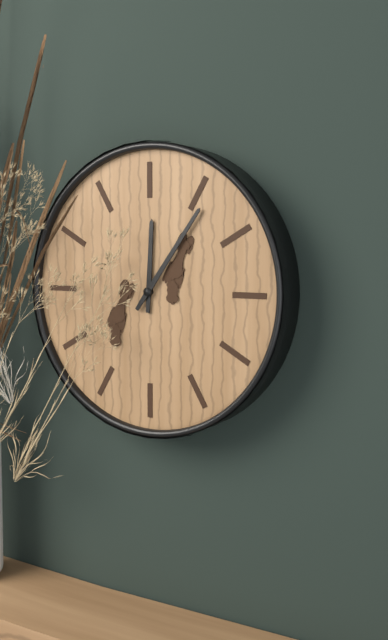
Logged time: 12:06
